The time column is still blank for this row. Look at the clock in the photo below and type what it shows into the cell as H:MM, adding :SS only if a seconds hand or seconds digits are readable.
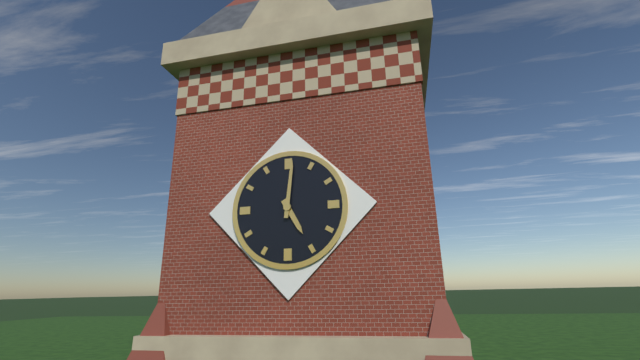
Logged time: 5:01
